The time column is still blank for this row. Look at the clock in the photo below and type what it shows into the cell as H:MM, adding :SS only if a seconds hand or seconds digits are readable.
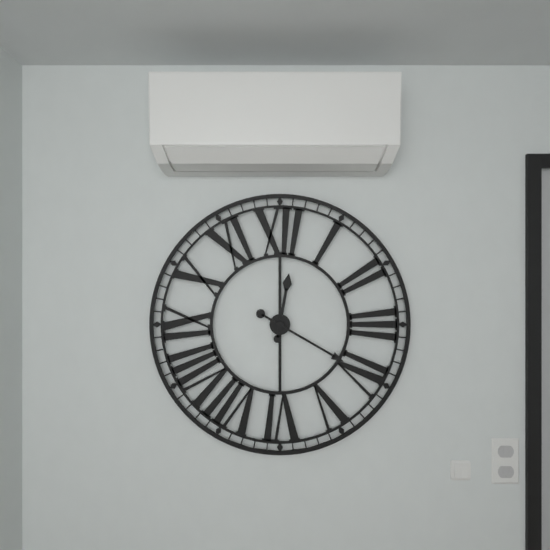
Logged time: 12:20
